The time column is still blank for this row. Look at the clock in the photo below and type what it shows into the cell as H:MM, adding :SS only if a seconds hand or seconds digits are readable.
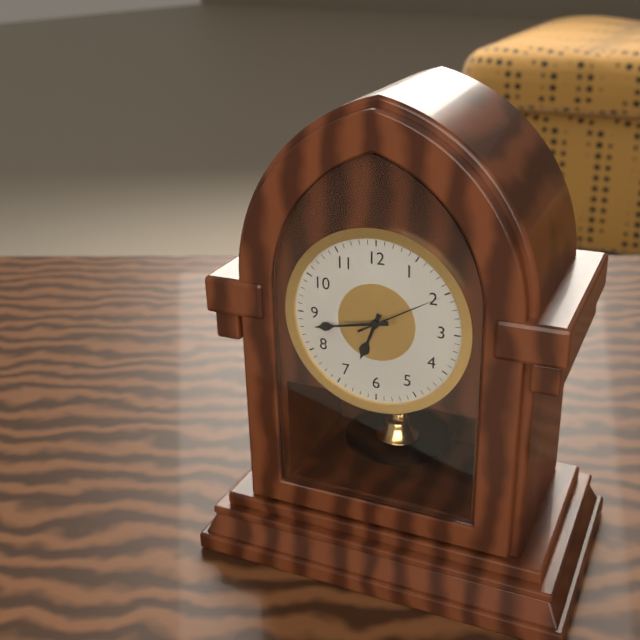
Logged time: 6:43:10
